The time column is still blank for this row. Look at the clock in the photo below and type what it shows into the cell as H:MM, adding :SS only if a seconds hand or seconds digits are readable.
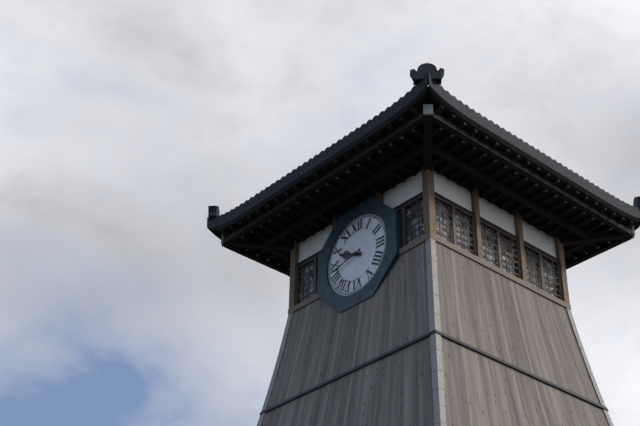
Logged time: 9:43
